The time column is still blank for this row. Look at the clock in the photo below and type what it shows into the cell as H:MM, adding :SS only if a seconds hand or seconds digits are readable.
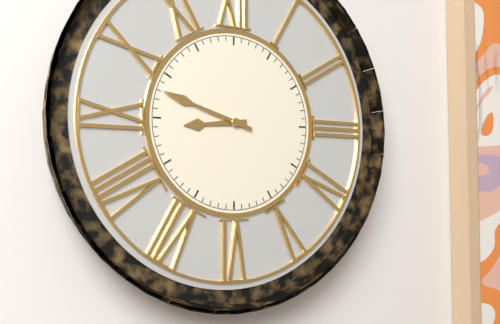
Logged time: 8:48
